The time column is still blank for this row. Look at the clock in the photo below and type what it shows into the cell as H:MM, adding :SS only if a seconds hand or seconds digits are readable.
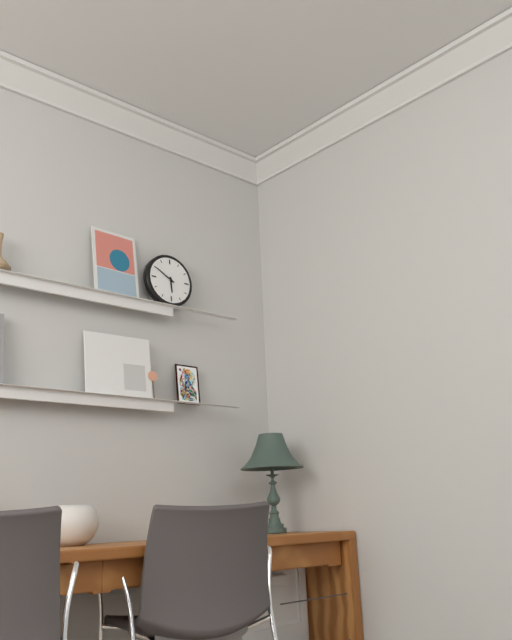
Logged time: 5:50
